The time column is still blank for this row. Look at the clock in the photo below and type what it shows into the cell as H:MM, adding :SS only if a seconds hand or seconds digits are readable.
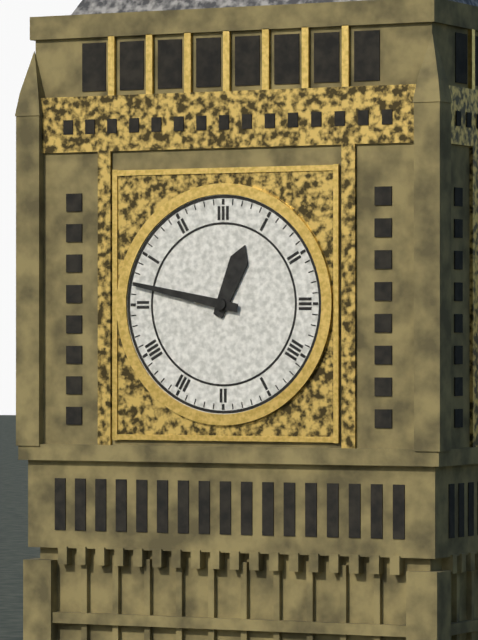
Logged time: 12:47
